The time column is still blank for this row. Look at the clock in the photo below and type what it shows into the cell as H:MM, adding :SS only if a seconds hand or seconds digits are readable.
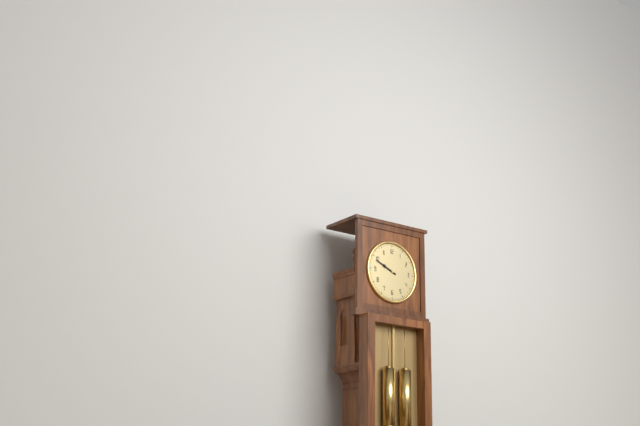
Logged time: 9:49
